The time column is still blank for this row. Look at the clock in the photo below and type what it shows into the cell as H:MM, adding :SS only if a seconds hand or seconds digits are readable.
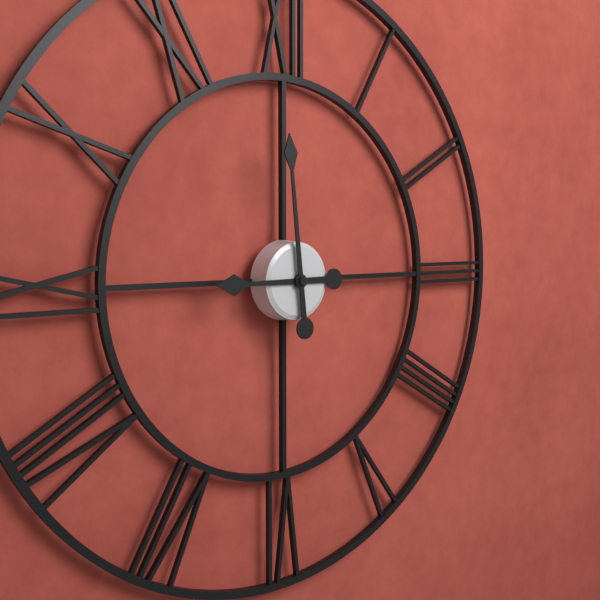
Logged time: 8:59
